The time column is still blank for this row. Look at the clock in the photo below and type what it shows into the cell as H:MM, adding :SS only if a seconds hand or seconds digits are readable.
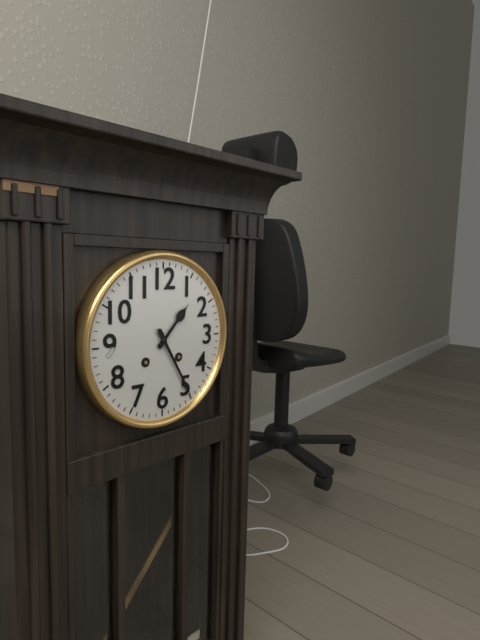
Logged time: 1:25
